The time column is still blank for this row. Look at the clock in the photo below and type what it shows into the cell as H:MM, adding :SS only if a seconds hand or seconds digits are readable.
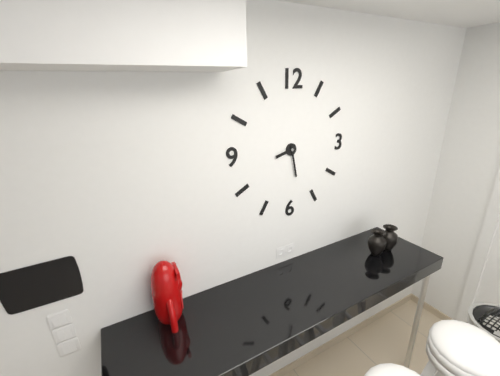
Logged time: 8:28
